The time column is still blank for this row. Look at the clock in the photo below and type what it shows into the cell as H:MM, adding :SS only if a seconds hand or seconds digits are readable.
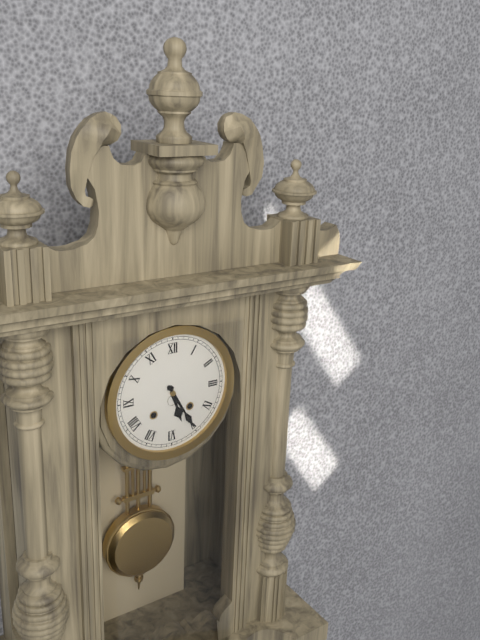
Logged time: 5:25
